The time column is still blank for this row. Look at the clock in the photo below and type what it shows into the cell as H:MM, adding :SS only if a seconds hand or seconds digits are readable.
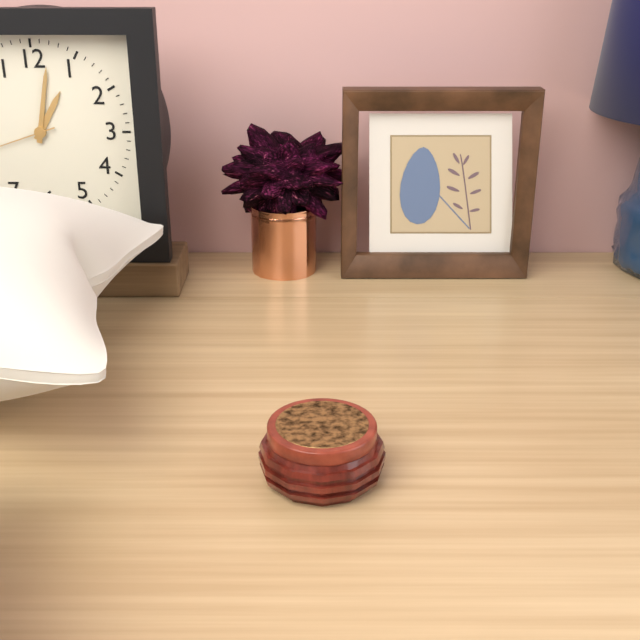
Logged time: 1:02
